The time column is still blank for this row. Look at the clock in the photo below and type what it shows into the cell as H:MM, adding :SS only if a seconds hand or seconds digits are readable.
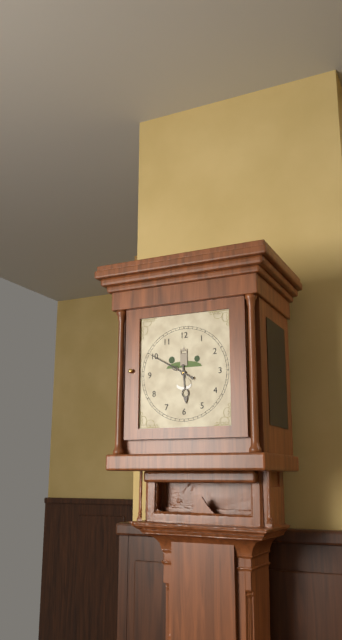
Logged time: 5:50
